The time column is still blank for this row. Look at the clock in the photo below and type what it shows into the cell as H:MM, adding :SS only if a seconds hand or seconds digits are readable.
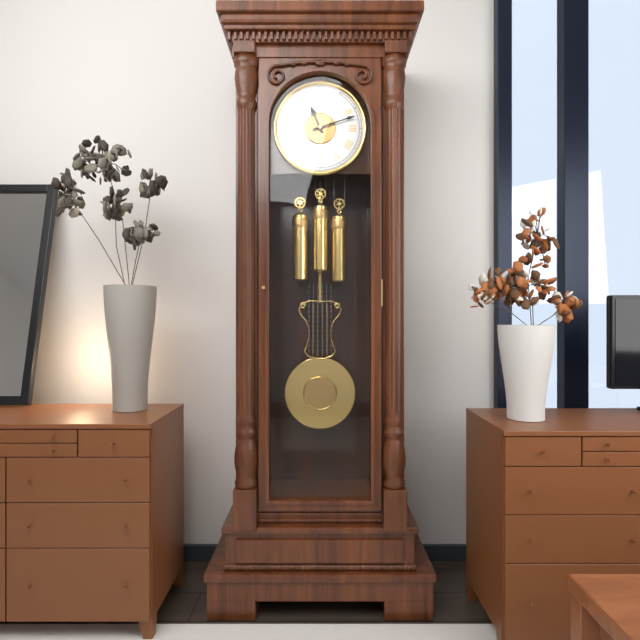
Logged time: 11:12
